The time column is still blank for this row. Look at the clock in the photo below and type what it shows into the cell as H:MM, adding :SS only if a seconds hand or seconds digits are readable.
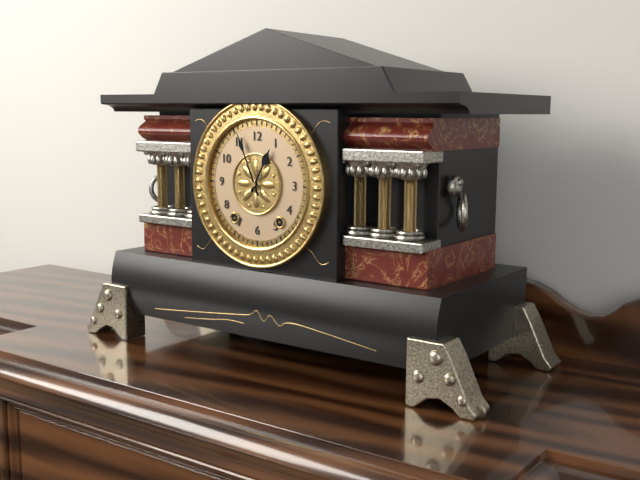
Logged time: 12:56
